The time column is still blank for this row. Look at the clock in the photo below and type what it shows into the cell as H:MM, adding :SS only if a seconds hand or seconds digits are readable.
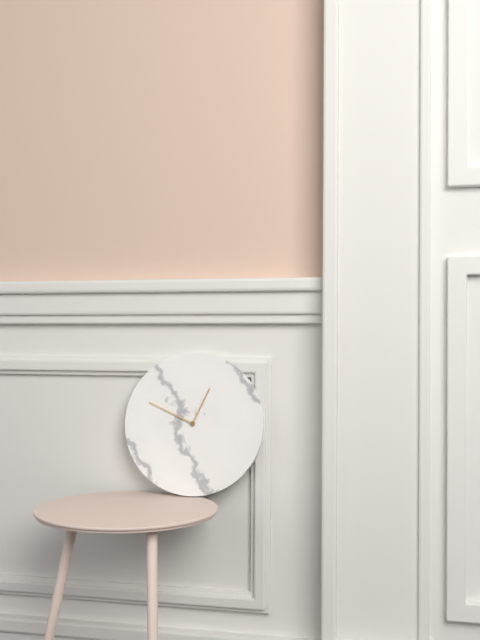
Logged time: 12:49
